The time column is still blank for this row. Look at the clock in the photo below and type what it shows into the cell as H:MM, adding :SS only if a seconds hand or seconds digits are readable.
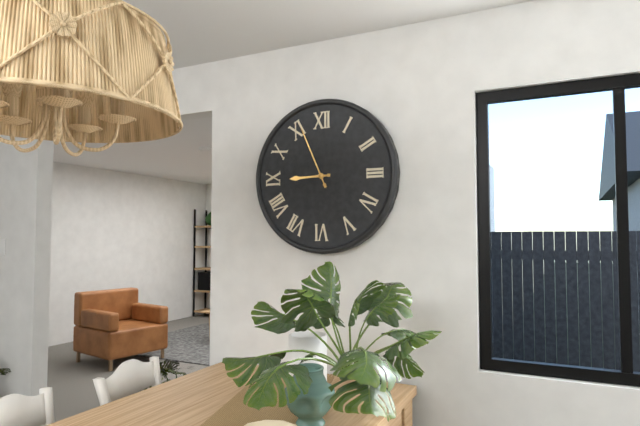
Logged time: 8:56
